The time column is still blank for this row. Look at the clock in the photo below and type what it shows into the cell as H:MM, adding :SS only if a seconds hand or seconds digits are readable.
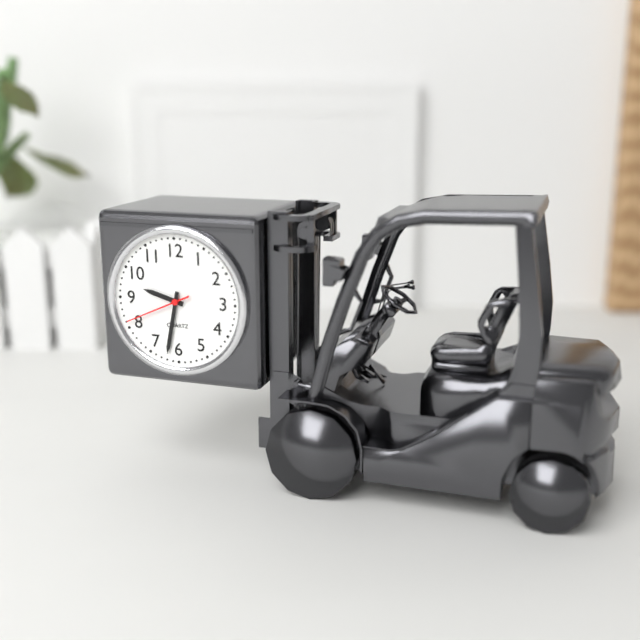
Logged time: 9:32:41
